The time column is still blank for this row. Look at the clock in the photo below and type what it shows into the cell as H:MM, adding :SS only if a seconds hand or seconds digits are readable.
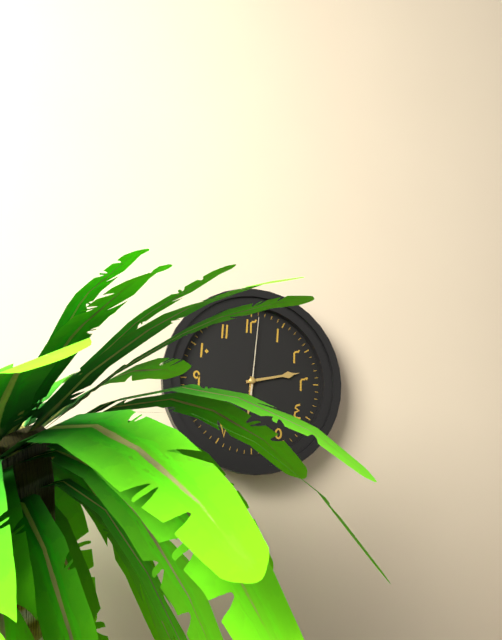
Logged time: 6:13:01
